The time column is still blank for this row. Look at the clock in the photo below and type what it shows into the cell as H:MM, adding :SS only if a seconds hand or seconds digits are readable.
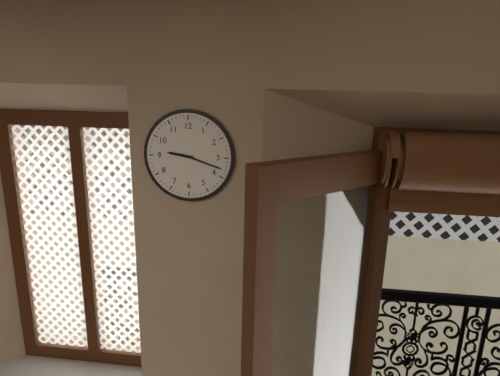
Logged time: 9:18
